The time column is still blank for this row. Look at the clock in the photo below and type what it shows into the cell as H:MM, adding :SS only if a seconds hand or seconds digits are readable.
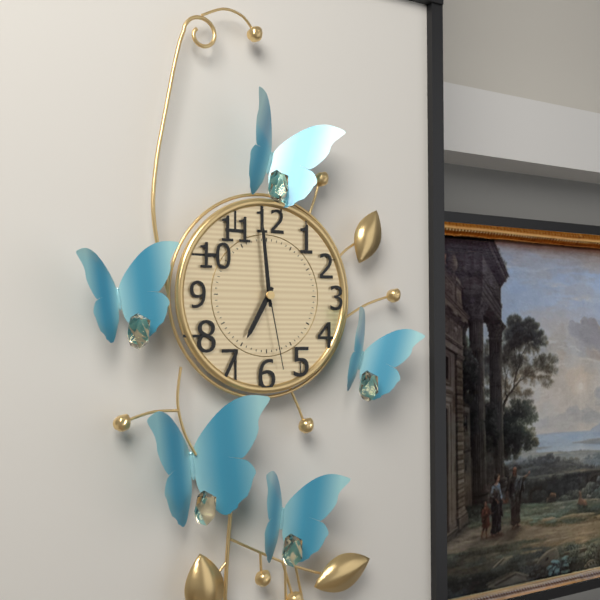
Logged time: 6:59:28
